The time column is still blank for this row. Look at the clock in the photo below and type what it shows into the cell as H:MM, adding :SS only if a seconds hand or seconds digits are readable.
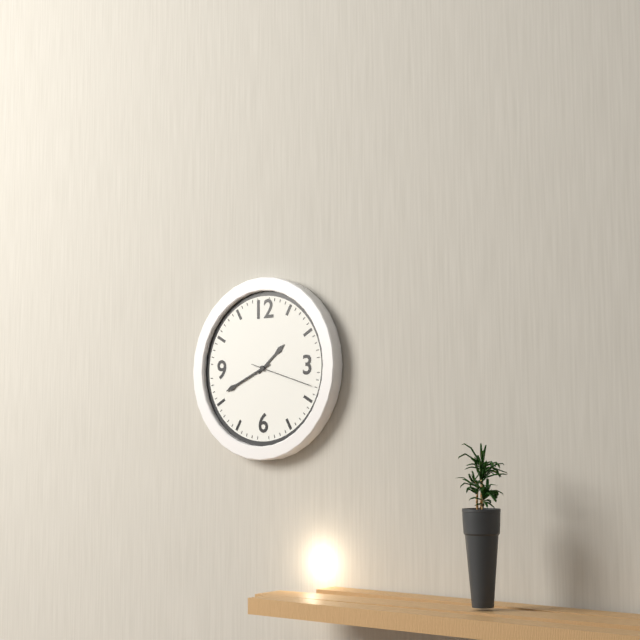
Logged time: 1:41:18
